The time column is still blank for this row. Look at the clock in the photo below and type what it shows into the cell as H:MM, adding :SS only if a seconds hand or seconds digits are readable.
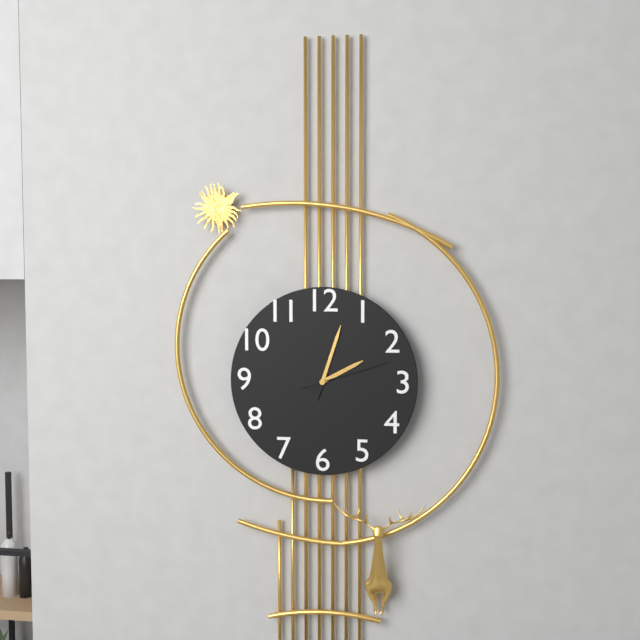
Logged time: 2:03:12
